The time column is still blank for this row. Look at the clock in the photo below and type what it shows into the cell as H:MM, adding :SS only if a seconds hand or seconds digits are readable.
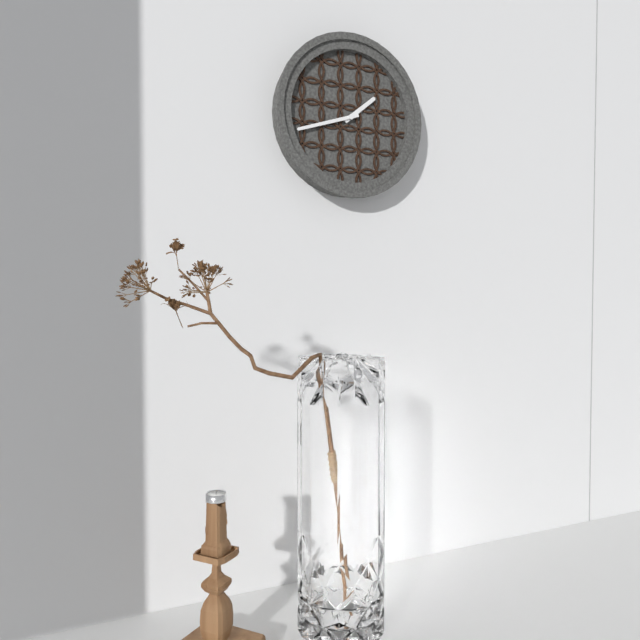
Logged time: 1:42
